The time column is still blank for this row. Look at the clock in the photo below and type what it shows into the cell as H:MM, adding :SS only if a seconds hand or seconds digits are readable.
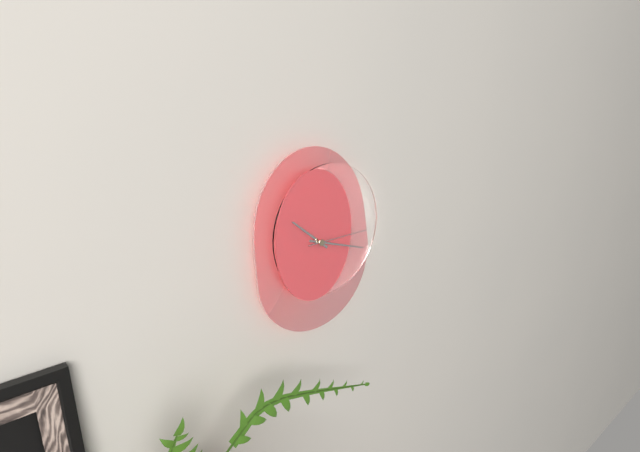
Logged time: 10:18:15
